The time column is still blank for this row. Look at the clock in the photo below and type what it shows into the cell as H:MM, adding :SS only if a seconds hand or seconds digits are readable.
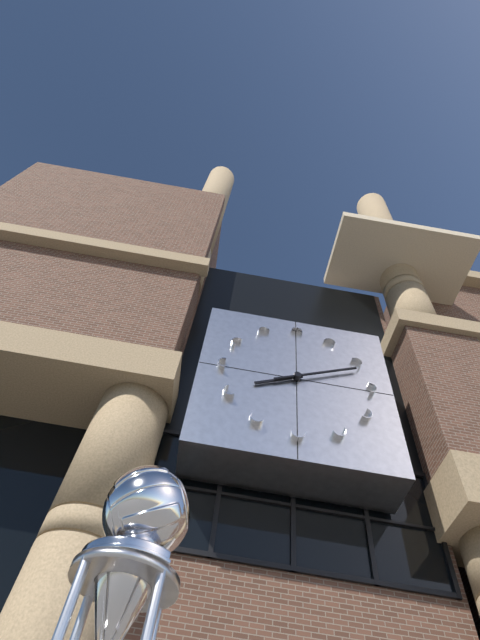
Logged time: 8:11
